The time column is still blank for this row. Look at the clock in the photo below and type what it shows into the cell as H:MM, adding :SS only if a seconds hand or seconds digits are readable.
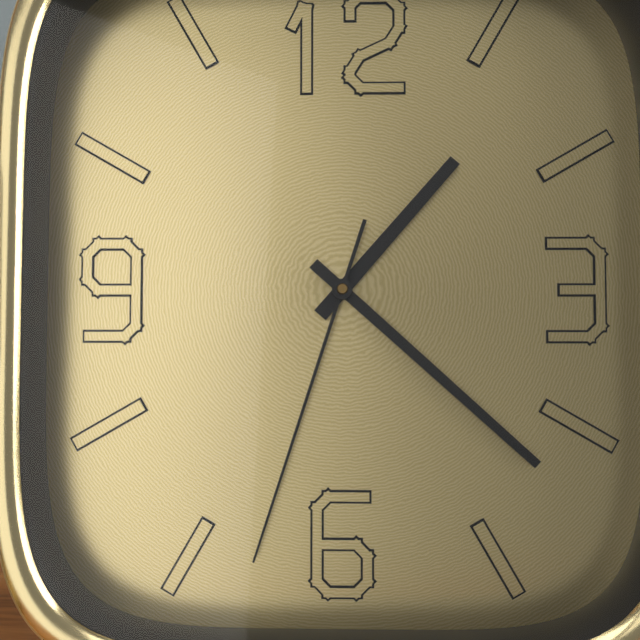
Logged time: 1:22:33
